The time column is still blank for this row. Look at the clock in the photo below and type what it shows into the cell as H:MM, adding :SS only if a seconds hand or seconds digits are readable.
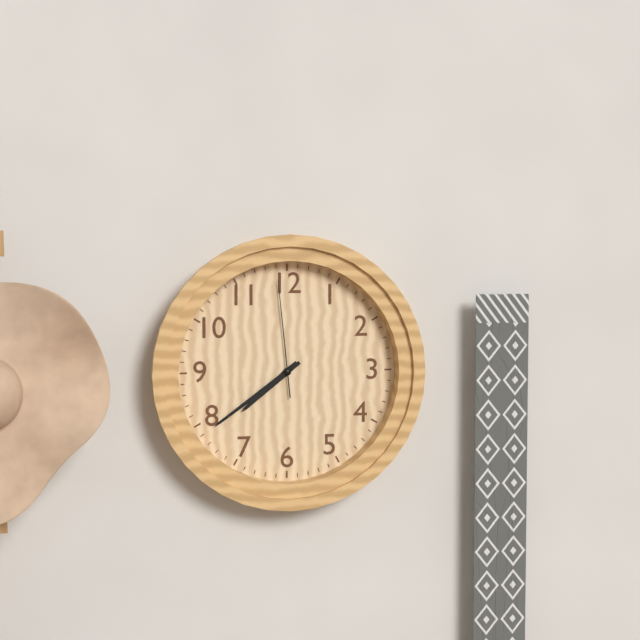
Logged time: 7:39:59
